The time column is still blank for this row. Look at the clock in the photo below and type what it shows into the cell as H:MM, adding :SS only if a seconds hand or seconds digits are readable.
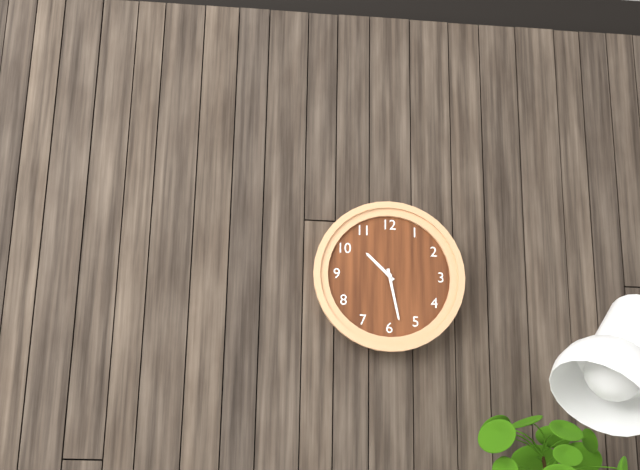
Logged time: 10:28
